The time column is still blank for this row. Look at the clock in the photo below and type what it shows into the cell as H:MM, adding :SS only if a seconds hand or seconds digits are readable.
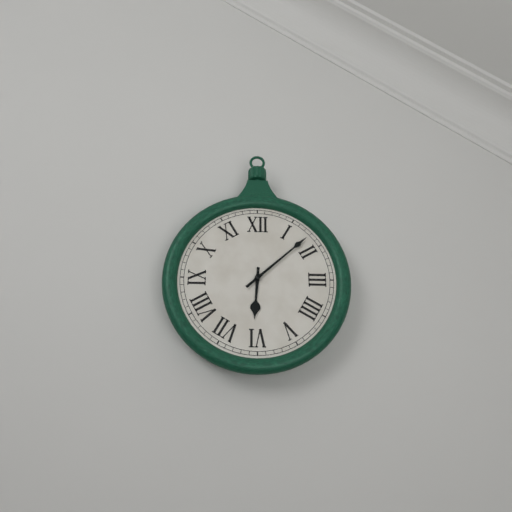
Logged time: 6:08
